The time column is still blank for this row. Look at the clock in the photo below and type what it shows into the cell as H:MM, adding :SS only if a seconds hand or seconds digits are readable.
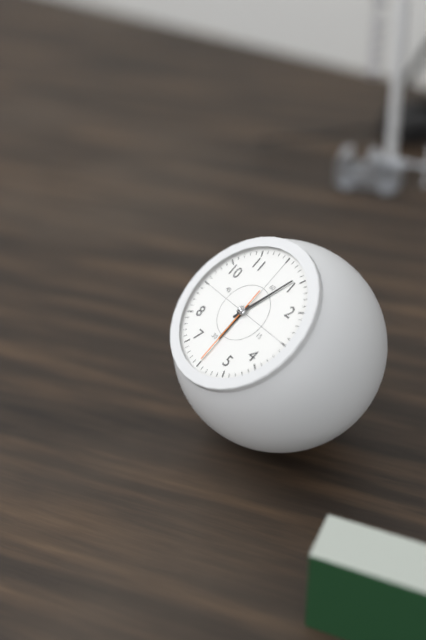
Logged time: 6:04:30
